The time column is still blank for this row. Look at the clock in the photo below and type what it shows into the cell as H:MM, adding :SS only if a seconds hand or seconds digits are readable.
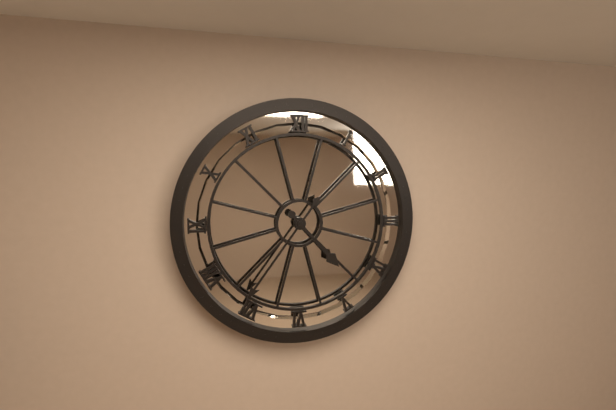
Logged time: 4:36
